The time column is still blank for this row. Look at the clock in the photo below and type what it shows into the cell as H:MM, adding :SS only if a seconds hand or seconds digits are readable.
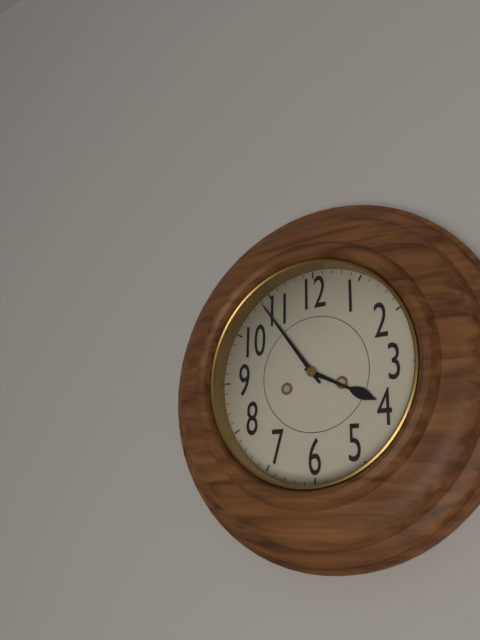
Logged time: 3:54
